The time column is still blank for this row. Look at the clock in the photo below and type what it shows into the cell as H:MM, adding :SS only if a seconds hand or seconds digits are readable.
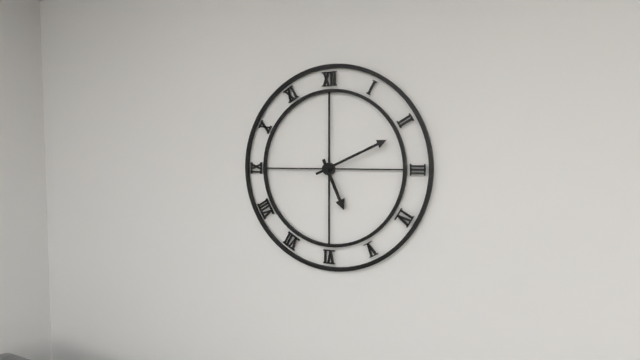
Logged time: 5:11
